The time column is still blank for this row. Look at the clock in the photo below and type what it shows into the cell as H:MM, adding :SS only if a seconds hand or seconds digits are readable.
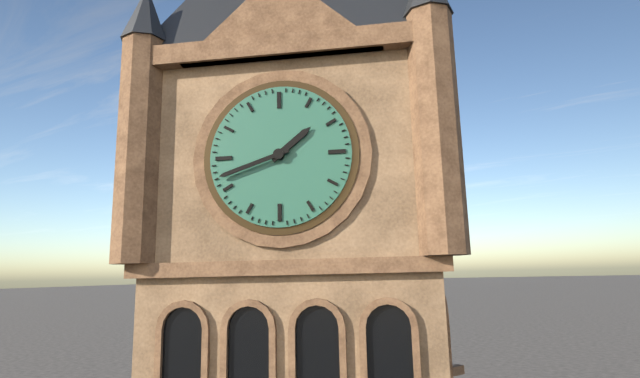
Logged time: 1:42
